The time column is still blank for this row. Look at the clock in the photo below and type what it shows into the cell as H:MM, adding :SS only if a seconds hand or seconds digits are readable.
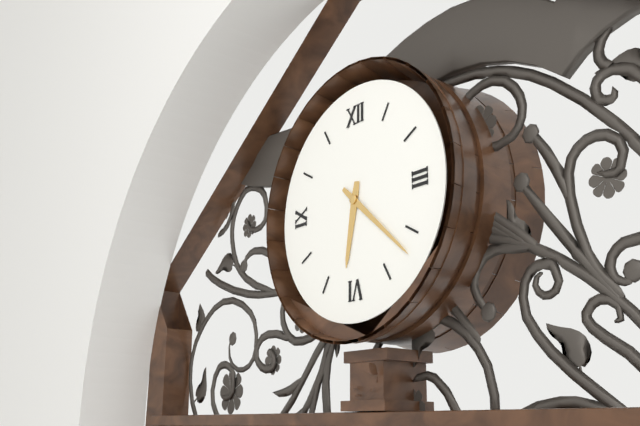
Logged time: 6:22
